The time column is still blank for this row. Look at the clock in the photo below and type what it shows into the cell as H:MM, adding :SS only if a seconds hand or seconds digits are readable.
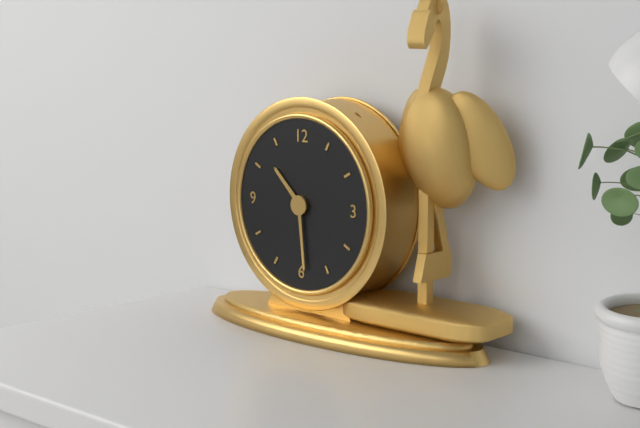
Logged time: 10:29
